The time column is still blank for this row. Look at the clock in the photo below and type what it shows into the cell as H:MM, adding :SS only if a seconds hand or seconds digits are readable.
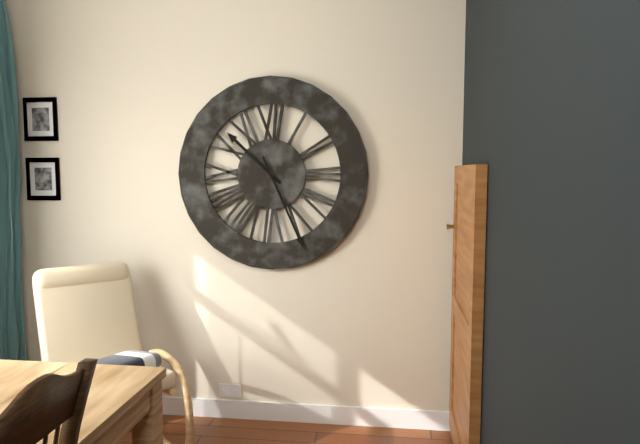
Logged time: 10:26
